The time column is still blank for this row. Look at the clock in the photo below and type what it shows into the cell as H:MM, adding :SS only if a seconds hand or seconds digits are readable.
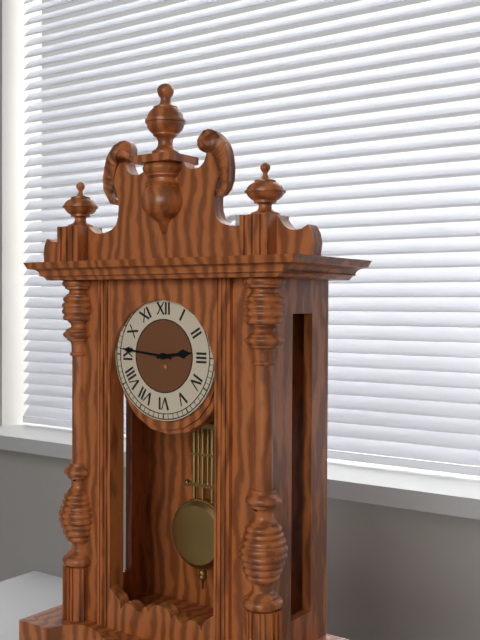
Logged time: 2:46
